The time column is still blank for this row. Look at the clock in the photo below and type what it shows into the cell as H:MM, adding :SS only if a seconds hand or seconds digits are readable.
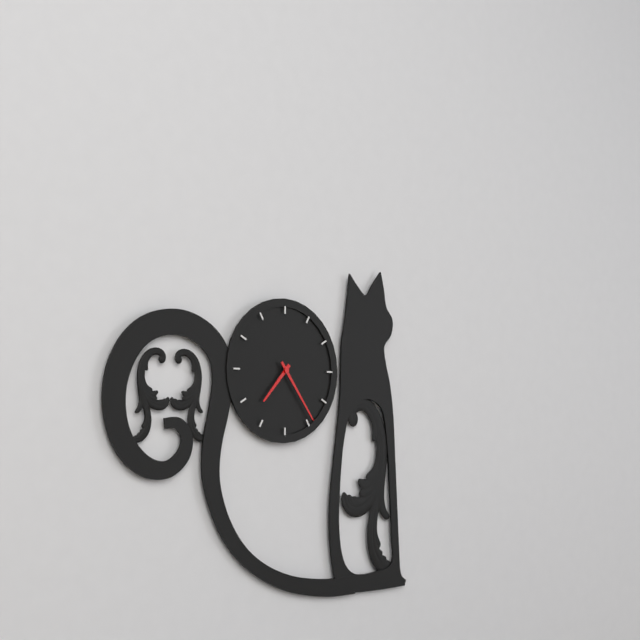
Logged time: 7:24
